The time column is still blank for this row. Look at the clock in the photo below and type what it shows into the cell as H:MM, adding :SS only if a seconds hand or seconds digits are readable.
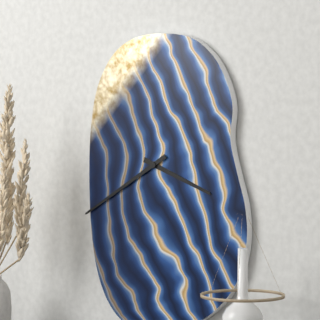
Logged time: 3:40
